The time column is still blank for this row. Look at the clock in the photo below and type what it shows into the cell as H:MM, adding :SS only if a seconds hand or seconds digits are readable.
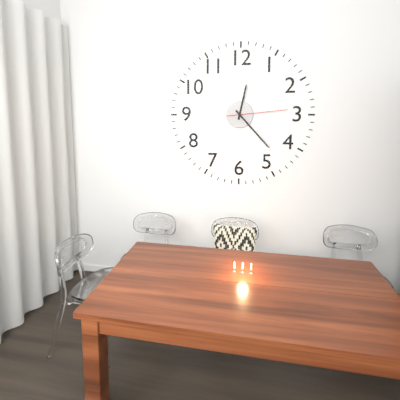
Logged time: 12:23:14
